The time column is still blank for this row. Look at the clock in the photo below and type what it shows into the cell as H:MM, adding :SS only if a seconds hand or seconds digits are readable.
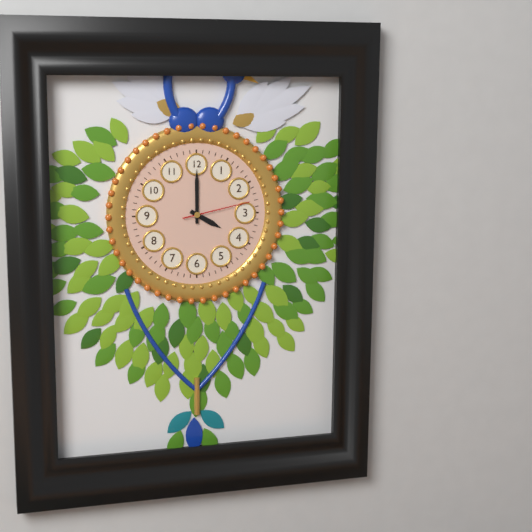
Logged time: 4:00:13
